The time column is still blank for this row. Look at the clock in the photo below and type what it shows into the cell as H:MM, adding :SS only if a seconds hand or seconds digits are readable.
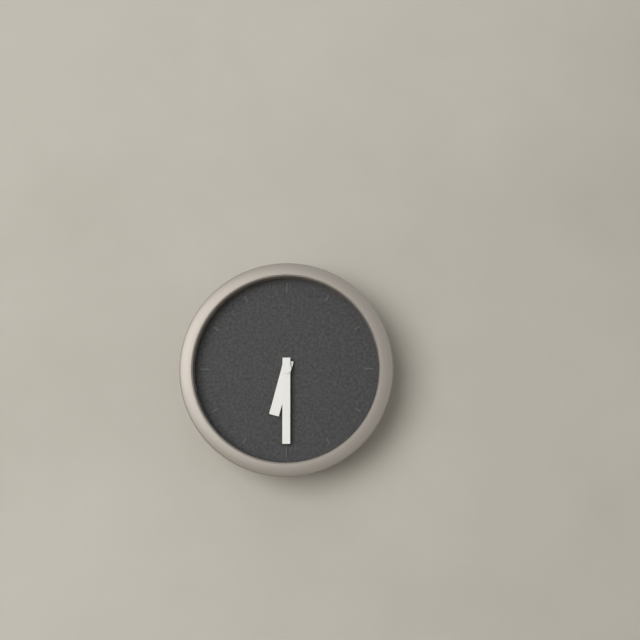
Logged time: 6:30
